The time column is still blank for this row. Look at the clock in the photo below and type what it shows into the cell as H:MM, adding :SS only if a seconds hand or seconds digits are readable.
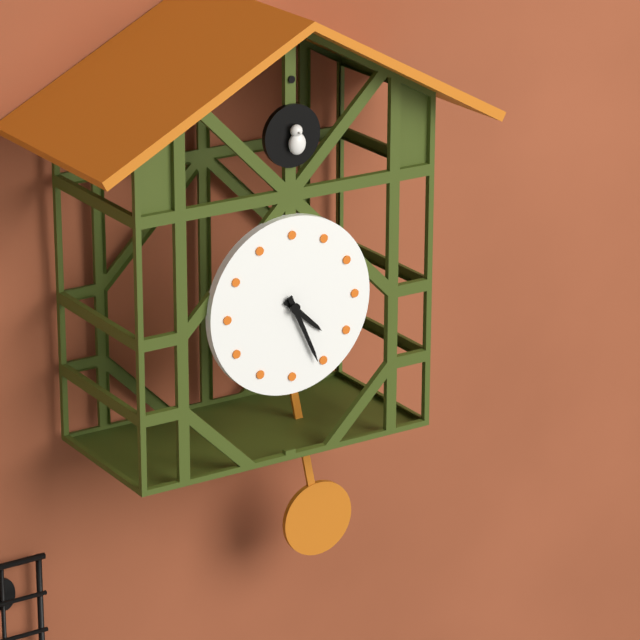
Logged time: 4:26
